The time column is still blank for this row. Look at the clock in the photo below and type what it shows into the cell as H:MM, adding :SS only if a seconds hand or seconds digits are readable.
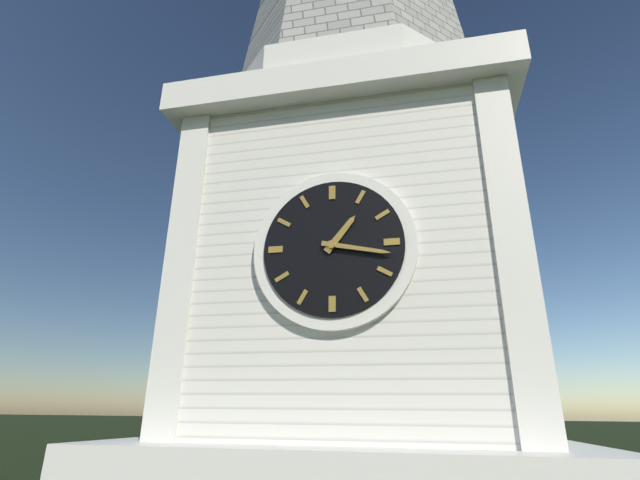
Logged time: 1:17
